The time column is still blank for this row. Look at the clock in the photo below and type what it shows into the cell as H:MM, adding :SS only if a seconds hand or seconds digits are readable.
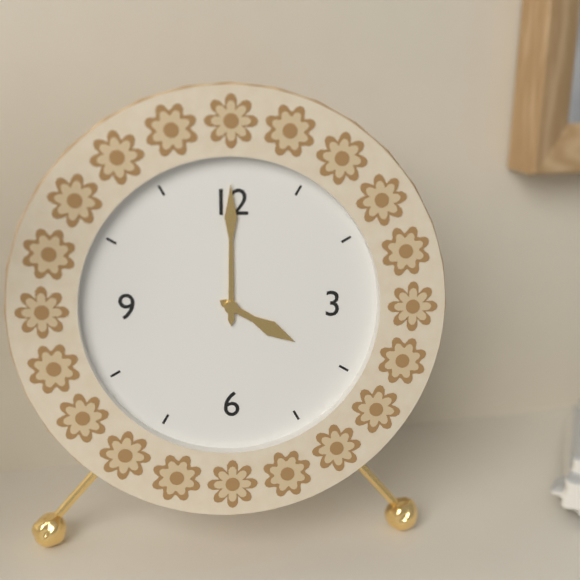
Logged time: 4:00
